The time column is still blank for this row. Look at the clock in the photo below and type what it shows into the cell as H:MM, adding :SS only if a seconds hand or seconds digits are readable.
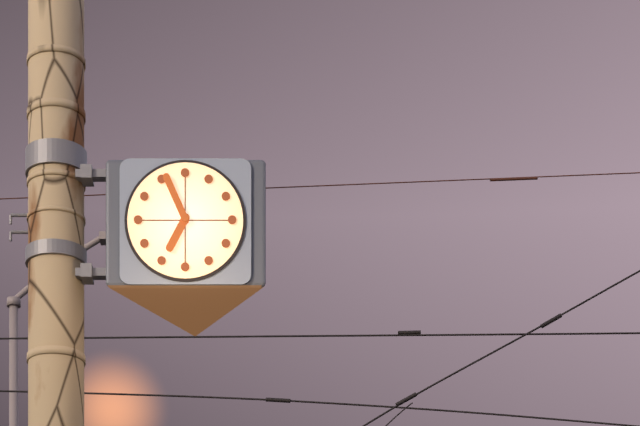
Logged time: 6:56
